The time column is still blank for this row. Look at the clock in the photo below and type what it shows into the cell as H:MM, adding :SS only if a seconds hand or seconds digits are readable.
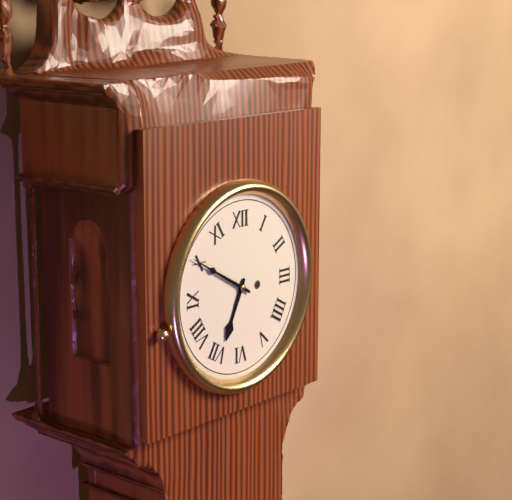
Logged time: 6:50
